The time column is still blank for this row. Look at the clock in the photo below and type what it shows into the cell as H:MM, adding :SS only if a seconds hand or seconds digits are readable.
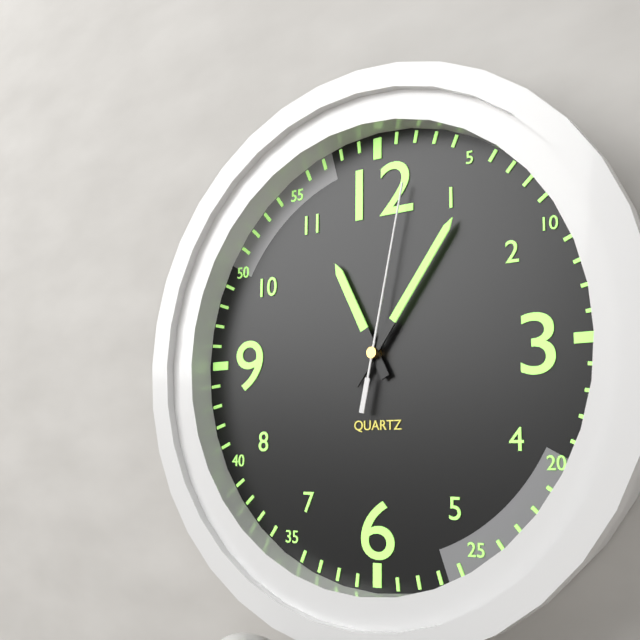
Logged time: 11:06:02
